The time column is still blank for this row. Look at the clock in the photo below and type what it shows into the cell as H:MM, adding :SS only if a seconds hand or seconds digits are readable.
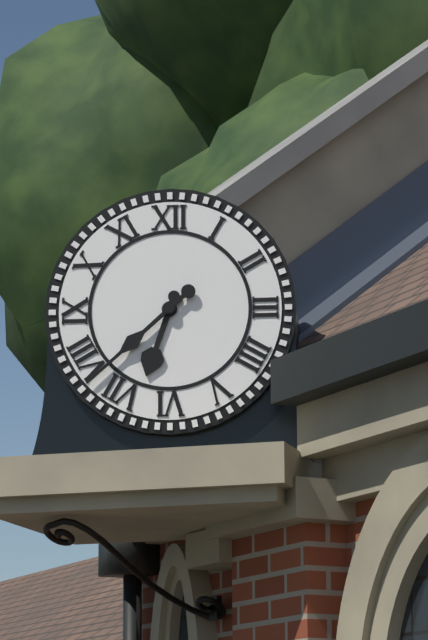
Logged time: 6:38
